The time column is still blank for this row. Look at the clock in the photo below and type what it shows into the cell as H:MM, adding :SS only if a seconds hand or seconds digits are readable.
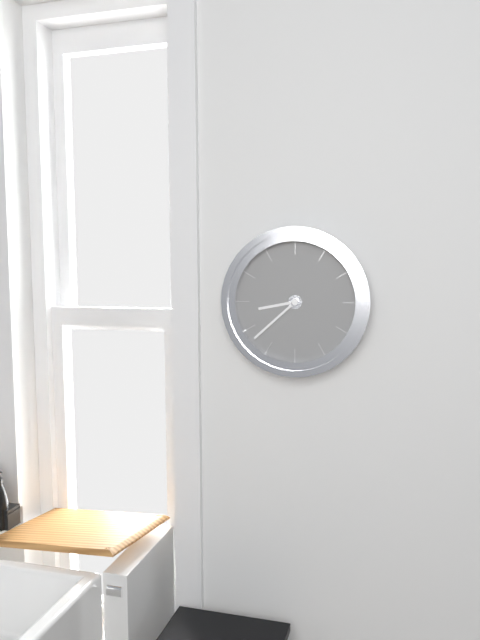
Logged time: 8:38
